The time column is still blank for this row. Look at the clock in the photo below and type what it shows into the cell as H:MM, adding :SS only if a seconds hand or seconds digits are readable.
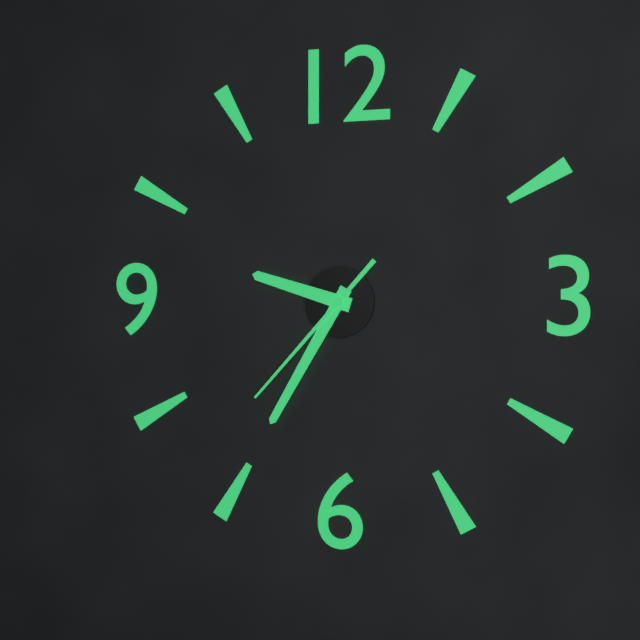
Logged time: 9:35:37
